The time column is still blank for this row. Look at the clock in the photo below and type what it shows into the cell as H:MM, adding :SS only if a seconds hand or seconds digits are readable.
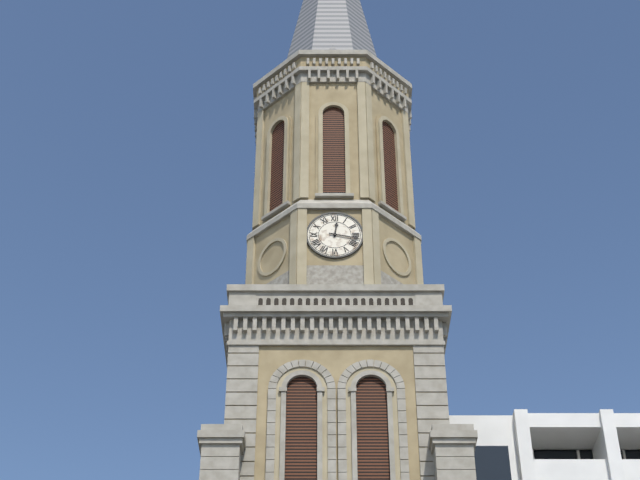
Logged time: 12:17
